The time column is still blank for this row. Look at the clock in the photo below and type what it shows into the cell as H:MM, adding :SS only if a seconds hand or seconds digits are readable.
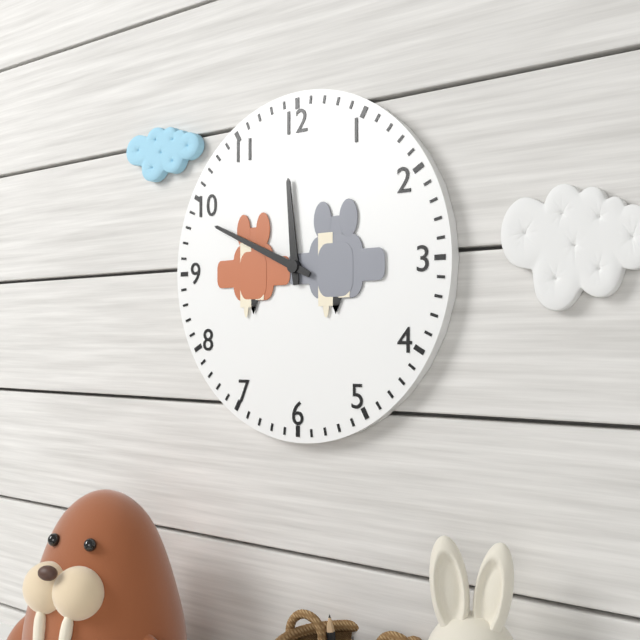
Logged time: 11:49
